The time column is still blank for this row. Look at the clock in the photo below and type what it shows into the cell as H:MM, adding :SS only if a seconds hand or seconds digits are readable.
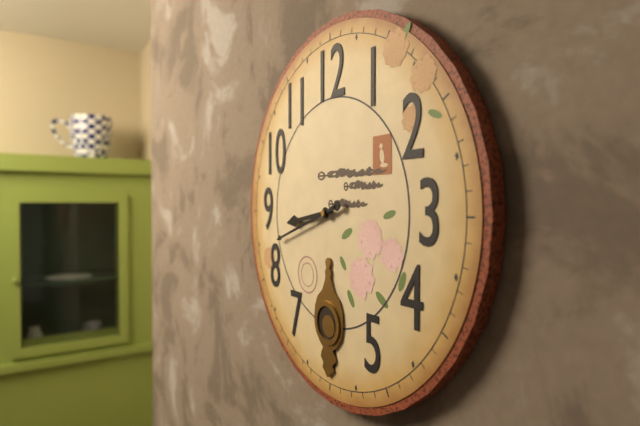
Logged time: 8:42
